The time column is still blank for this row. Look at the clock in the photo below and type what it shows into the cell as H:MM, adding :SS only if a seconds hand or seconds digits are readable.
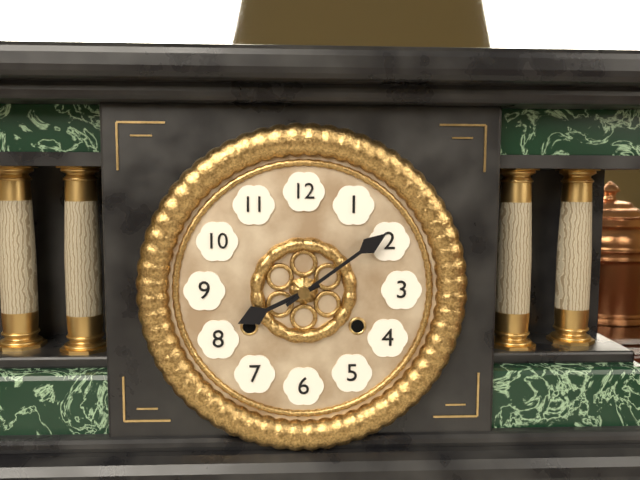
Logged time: 8:09
